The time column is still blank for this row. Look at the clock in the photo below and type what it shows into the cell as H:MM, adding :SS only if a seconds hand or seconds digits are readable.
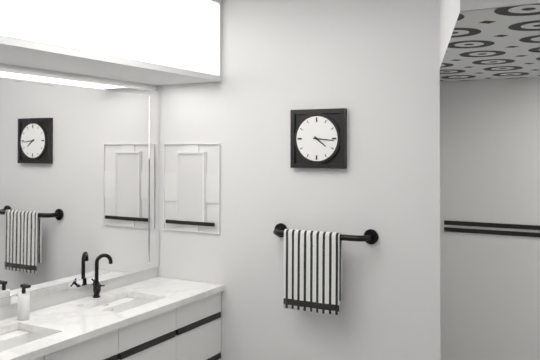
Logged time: 4:16
